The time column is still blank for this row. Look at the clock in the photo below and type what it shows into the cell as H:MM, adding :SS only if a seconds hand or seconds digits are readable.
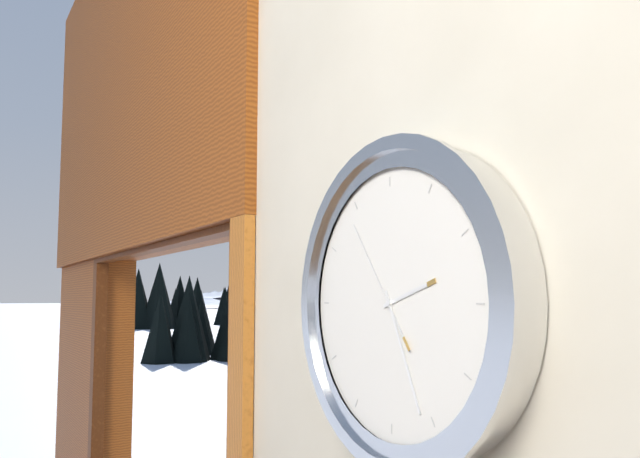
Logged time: 2:26:54
